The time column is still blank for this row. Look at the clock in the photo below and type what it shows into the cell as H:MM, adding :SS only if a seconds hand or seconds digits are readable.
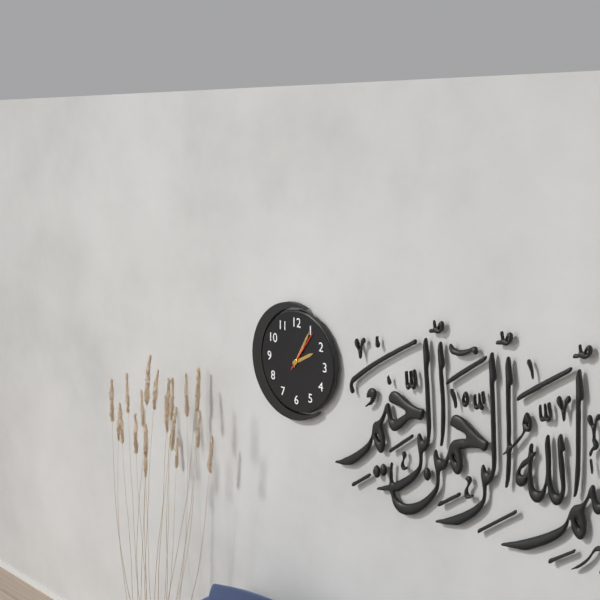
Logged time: 2:05
